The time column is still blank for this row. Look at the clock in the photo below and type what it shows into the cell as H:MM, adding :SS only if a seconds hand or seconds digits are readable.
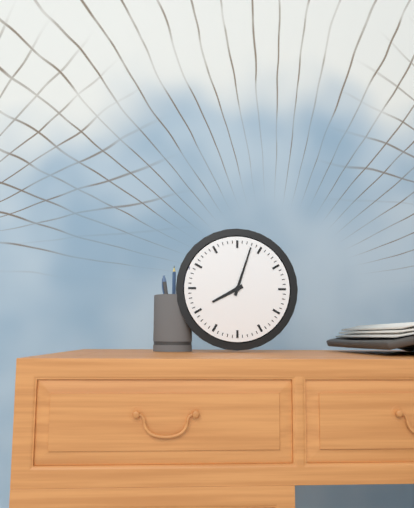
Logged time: 8:03
